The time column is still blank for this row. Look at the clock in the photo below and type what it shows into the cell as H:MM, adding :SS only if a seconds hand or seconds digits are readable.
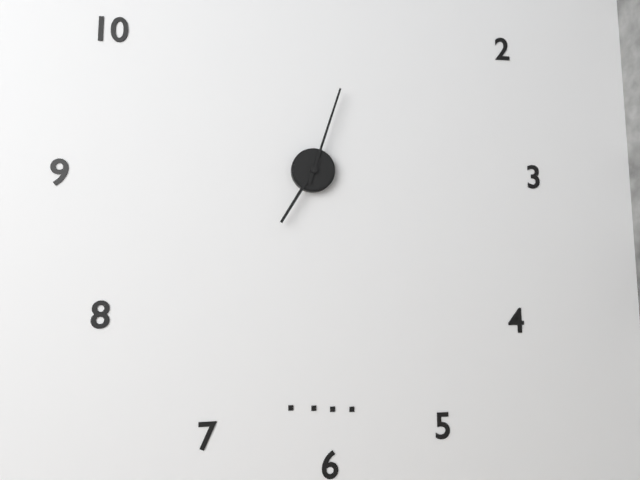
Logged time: 7:03
